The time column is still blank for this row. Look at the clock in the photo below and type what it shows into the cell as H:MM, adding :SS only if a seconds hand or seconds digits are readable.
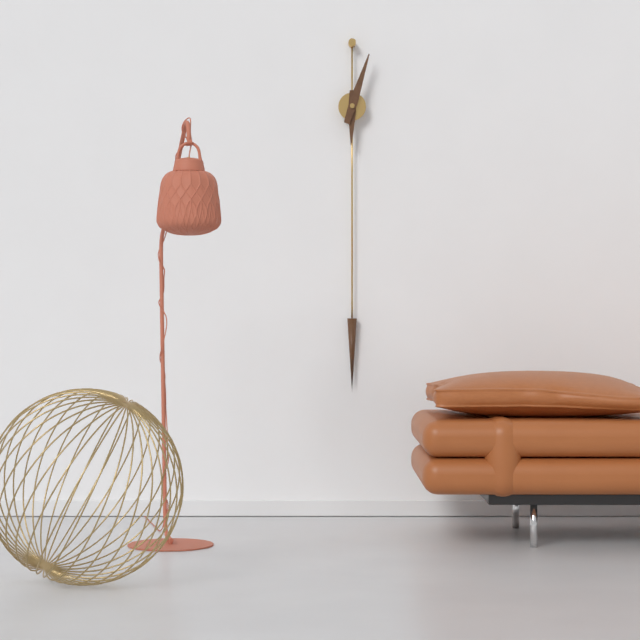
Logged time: 6:03
